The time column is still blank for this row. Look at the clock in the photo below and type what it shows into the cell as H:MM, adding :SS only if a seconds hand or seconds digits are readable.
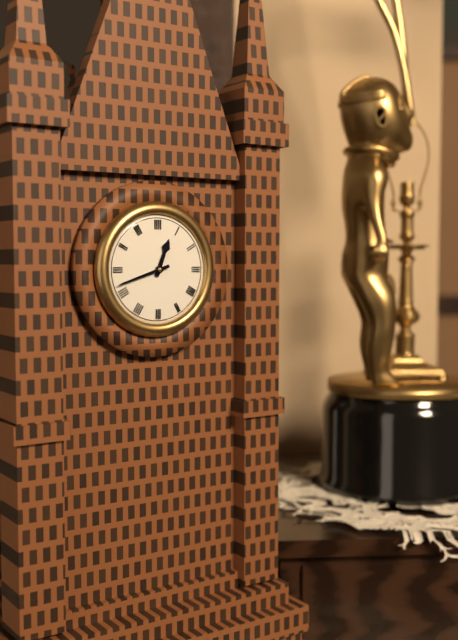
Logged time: 12:42
